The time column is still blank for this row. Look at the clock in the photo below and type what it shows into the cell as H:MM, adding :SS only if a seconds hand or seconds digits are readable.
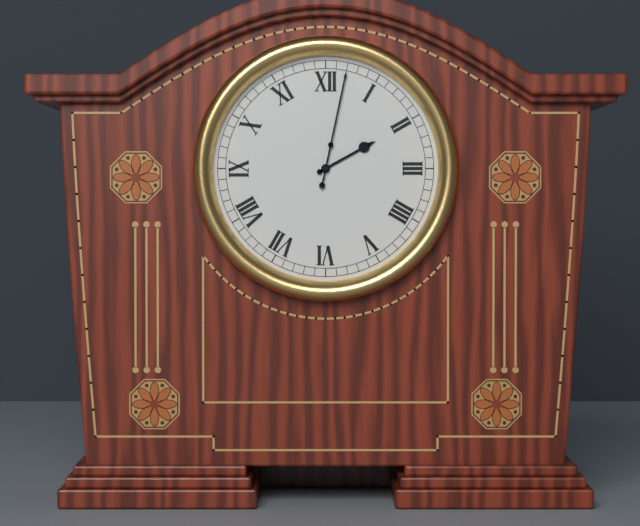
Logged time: 2:02
